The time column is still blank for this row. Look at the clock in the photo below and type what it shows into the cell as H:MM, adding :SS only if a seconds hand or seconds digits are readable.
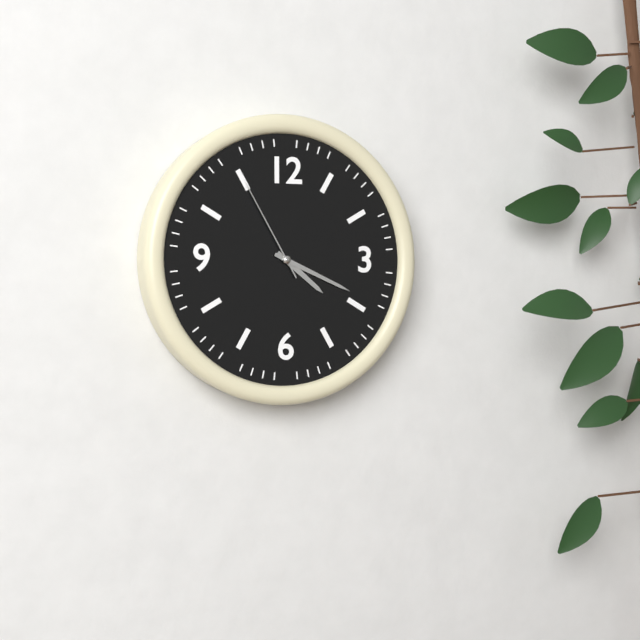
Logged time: 4:19:55
